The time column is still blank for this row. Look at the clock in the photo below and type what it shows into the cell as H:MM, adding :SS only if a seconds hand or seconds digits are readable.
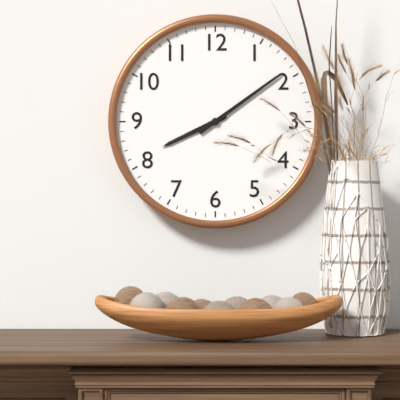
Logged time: 8:09
